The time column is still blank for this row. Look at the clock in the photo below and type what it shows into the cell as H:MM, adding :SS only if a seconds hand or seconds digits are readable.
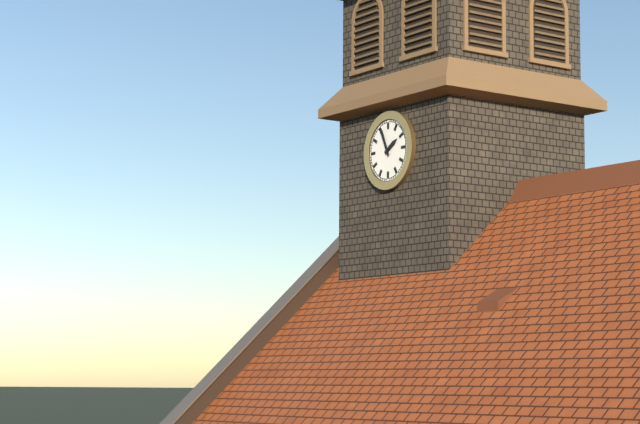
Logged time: 1:56
